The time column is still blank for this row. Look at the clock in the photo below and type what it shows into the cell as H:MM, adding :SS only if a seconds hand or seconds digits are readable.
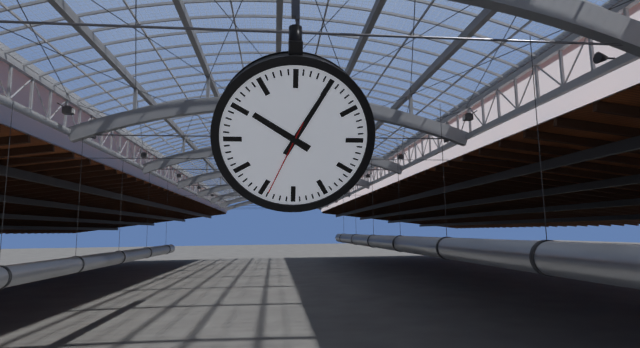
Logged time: 10:05:34
